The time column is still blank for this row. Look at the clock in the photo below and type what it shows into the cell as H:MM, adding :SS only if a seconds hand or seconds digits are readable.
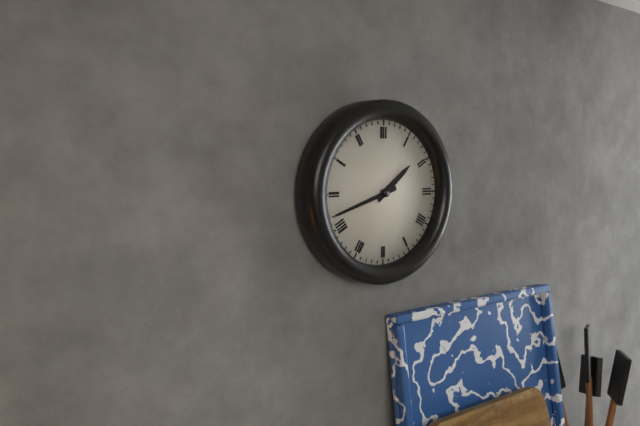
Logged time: 1:42
